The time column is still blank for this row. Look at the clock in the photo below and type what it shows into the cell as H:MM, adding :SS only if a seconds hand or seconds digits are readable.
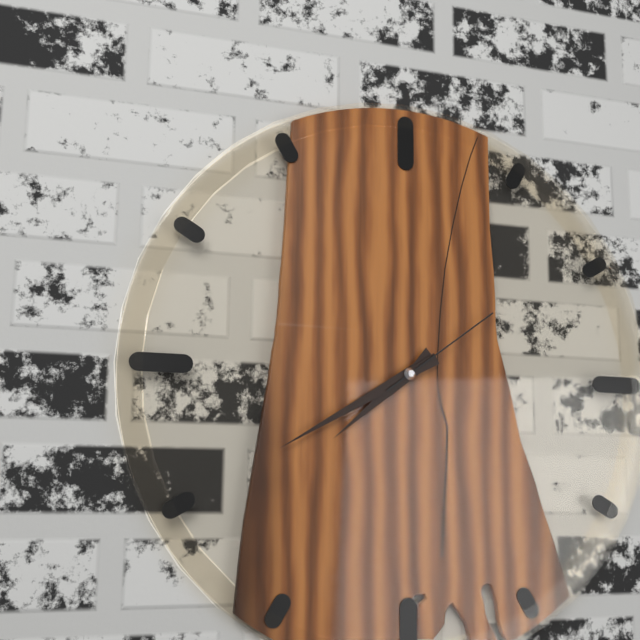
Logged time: 7:40:09
